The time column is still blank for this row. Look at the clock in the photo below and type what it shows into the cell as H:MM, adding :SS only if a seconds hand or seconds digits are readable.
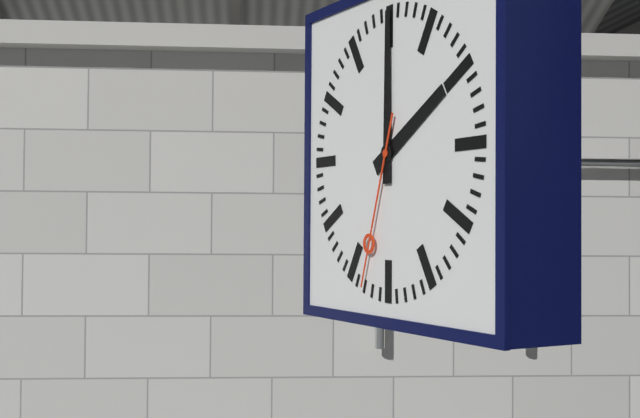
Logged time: 2:00:33
